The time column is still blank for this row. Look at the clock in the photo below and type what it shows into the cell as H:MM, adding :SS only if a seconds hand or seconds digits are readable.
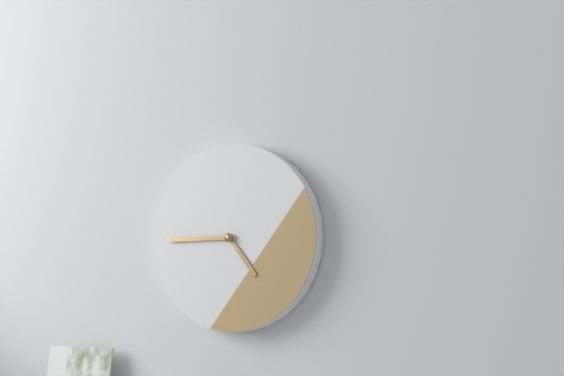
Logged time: 4:45
